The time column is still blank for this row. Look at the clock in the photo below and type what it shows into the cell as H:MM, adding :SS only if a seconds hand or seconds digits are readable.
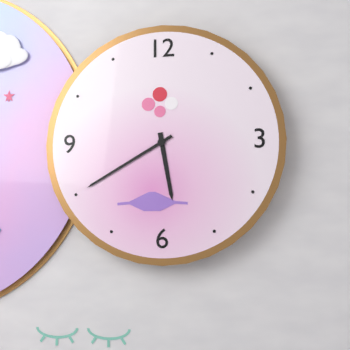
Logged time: 5:40
